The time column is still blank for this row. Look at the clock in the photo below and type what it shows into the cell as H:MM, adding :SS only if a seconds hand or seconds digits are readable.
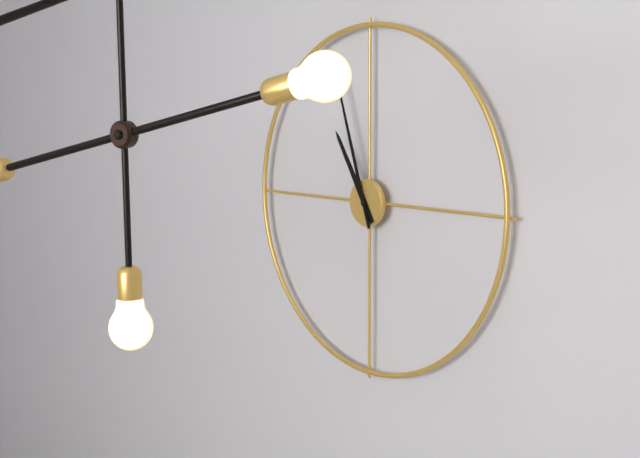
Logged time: 10:57
